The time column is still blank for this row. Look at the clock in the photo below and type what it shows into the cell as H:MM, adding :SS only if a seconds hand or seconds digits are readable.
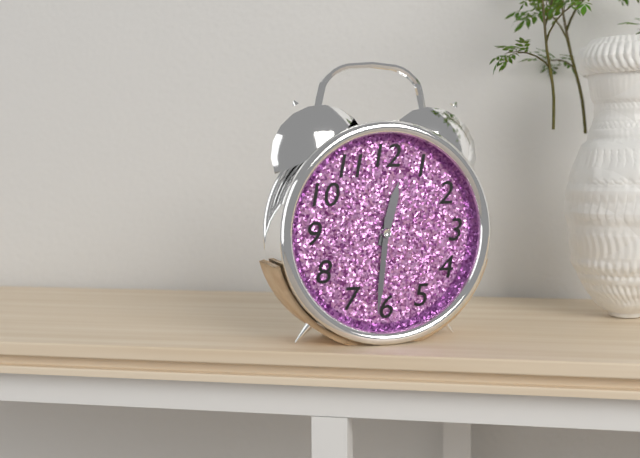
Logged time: 12:31
